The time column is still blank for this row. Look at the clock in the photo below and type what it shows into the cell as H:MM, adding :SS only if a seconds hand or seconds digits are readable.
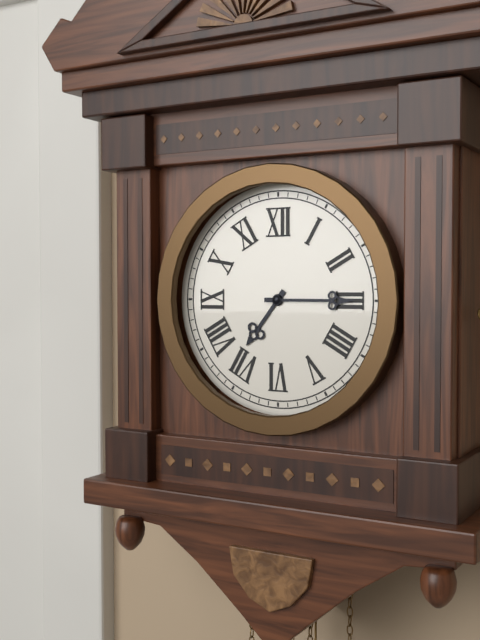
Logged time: 7:15
